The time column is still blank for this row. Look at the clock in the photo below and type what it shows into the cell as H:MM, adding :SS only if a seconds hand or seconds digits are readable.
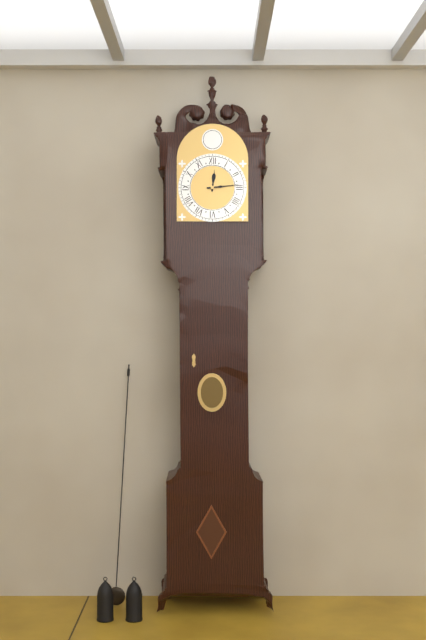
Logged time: 12:14
